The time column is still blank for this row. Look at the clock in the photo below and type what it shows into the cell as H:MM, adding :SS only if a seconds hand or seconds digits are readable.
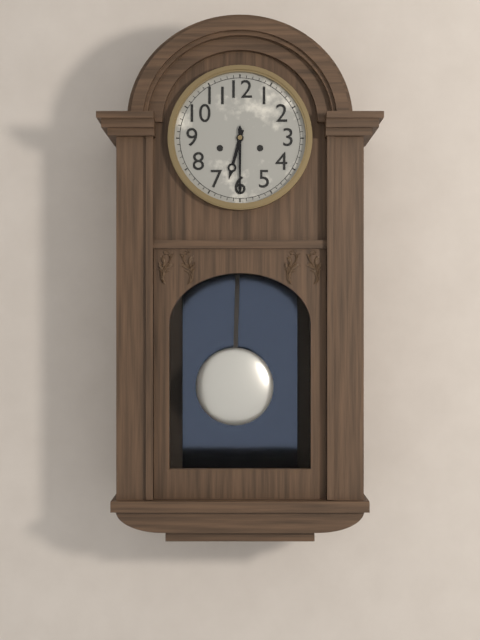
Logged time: 6:30
